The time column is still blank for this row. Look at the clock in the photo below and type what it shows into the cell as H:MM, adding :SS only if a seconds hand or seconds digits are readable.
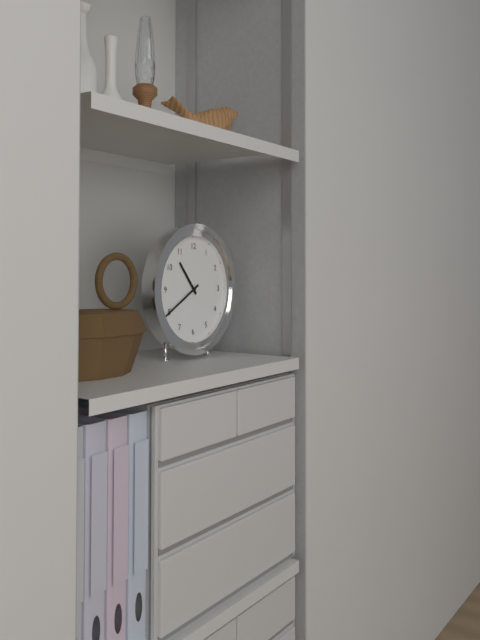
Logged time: 10:40
